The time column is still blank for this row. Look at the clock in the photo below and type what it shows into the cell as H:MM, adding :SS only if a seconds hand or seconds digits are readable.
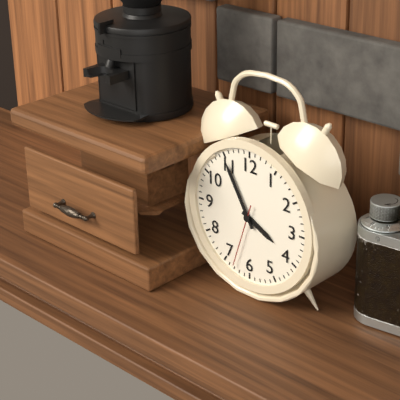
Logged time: 3:55:33
